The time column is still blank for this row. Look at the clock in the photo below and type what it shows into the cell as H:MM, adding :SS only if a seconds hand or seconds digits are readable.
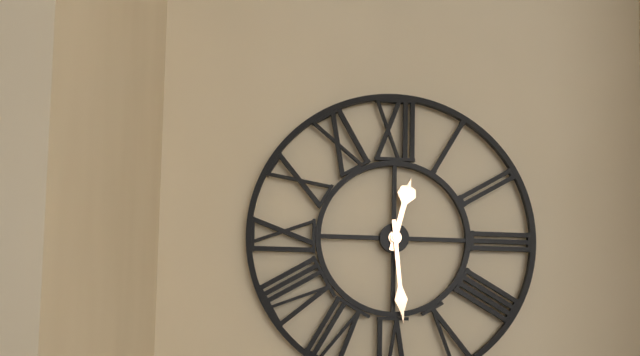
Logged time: 12:29
